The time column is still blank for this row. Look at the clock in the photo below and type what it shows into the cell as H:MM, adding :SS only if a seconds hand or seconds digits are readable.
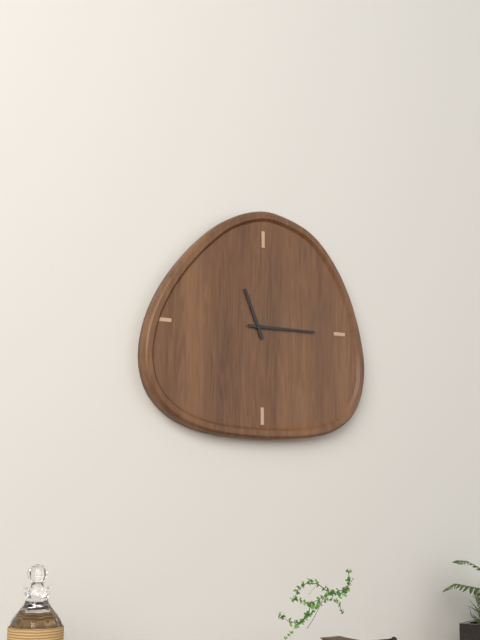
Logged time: 11:15
